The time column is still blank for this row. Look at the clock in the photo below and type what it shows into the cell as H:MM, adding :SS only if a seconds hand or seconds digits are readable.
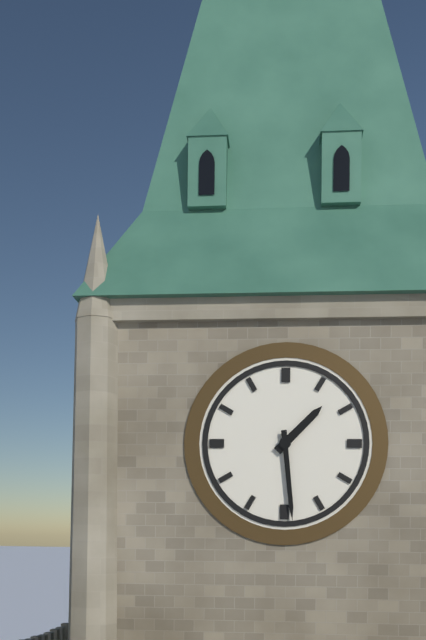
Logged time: 1:29
